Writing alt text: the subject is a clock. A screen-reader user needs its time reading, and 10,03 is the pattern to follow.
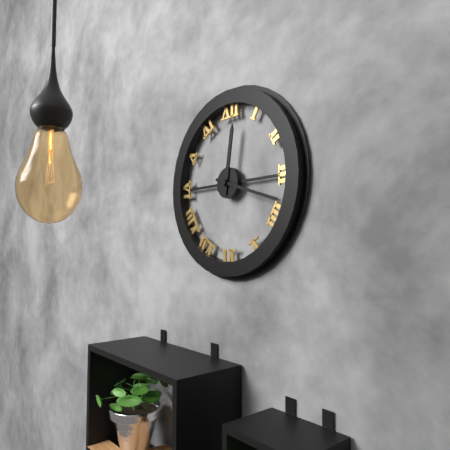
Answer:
12,18
